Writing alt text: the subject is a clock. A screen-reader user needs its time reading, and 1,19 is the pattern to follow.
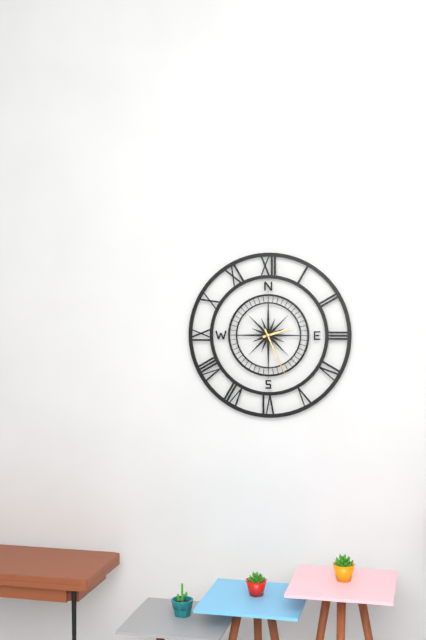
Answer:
2,26
